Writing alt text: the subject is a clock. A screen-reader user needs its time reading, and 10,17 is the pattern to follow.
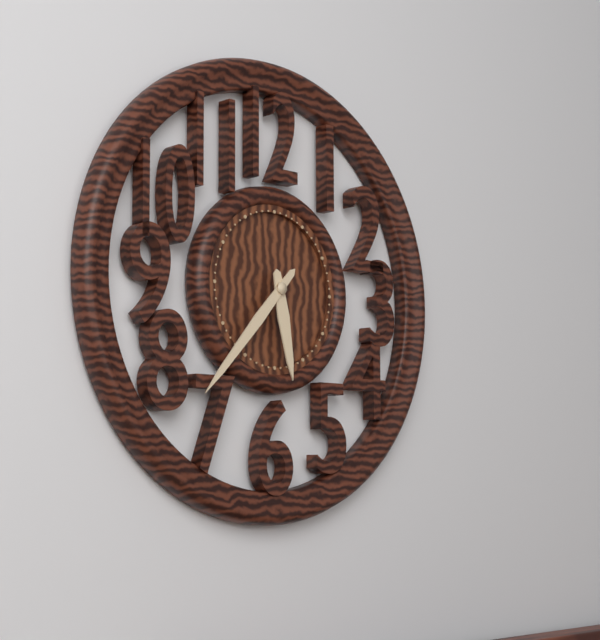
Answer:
5,37
